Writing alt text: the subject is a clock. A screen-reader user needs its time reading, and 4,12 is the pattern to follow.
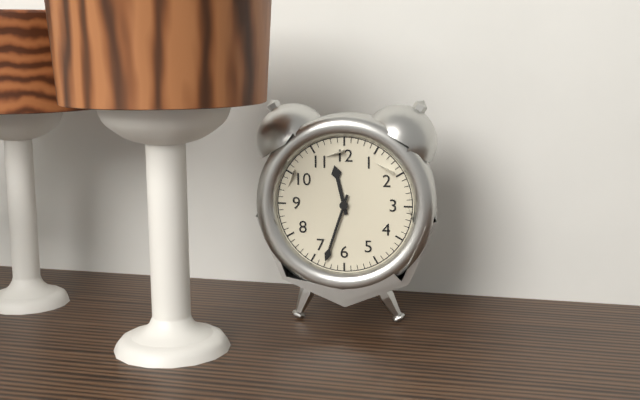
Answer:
11,33
